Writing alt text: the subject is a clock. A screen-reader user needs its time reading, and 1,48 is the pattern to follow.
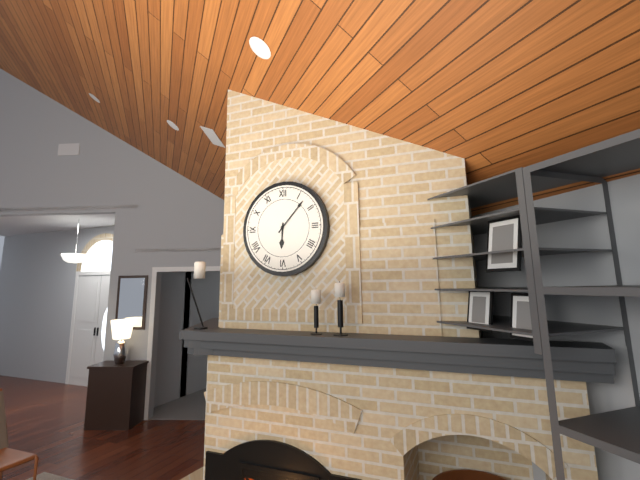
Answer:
6,07
